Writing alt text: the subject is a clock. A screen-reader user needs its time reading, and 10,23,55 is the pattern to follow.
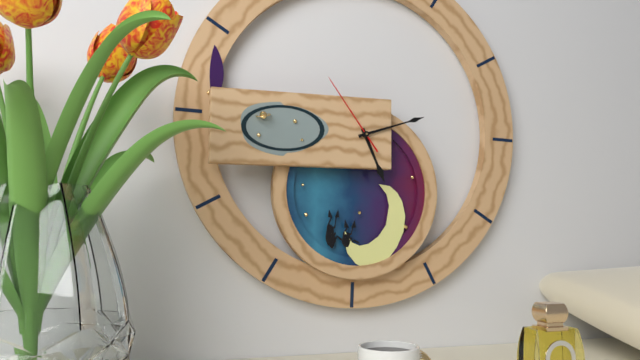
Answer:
5,12,54
